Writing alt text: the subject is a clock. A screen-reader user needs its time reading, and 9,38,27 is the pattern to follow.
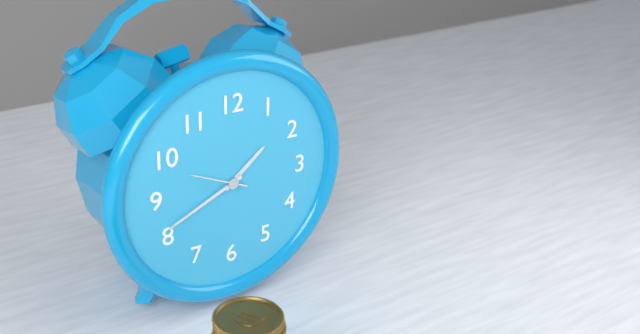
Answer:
1,41,49
